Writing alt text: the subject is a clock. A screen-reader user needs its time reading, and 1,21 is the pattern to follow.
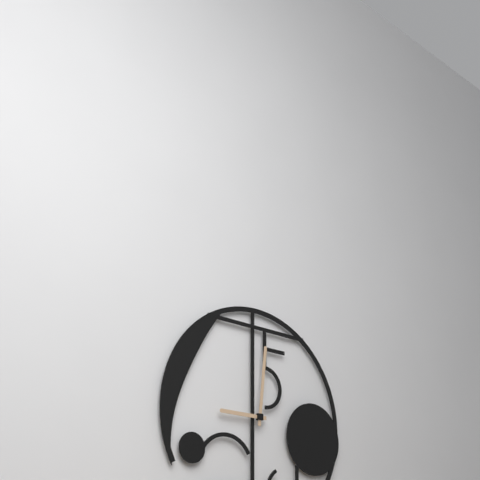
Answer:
9,01
